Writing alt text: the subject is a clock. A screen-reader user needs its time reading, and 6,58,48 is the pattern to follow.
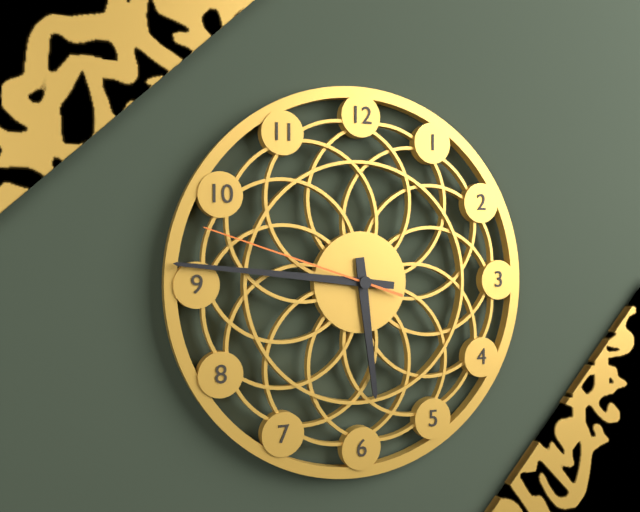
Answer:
5,46,48
